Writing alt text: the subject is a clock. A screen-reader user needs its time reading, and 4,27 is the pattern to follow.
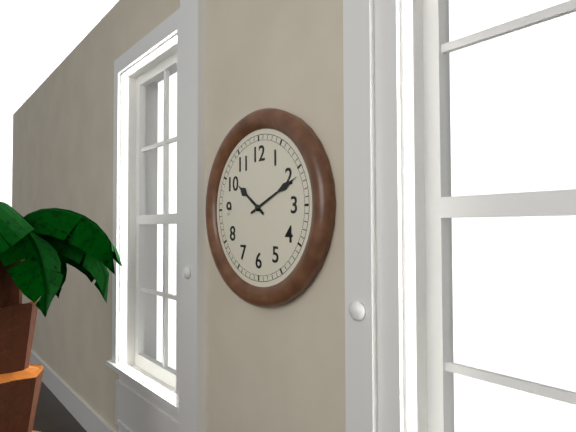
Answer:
10,11
